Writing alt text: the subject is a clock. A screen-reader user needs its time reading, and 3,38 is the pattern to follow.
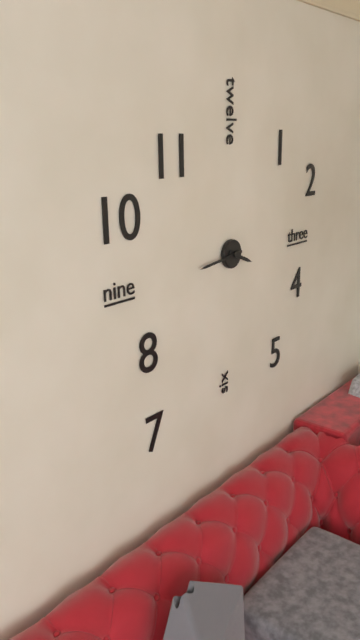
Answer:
3,44
